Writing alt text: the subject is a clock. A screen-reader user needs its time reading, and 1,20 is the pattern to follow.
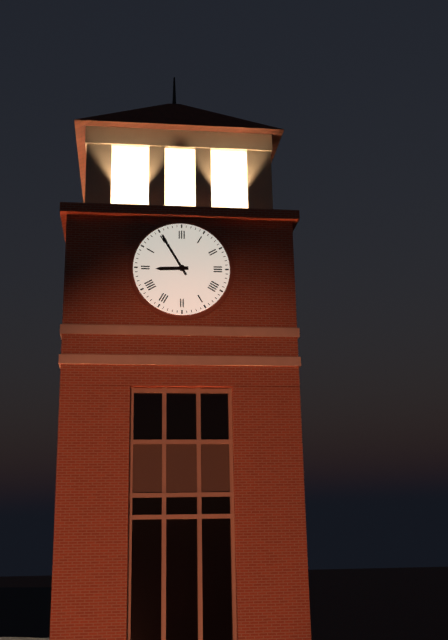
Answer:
8,55
